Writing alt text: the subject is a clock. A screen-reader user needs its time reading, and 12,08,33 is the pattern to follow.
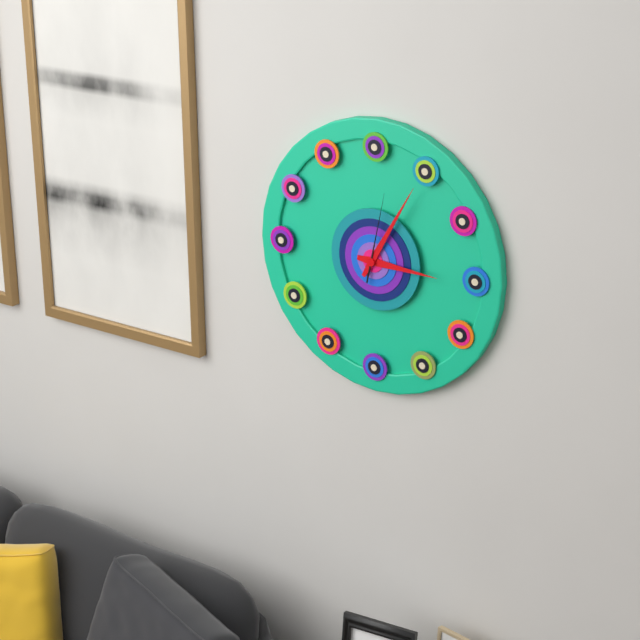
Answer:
3,05,02
